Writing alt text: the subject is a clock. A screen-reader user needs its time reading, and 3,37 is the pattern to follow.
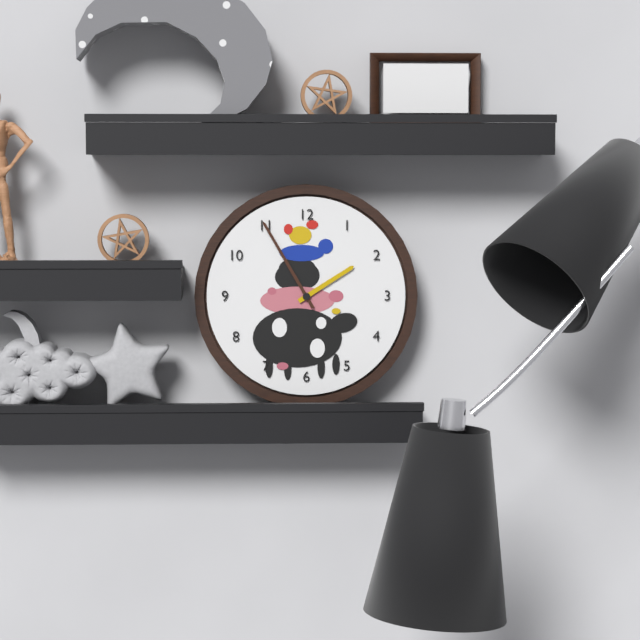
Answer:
1,55
